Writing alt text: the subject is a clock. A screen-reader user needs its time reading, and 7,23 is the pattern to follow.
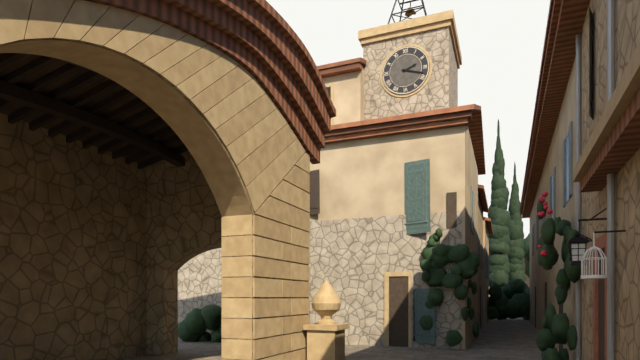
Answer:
2,18
